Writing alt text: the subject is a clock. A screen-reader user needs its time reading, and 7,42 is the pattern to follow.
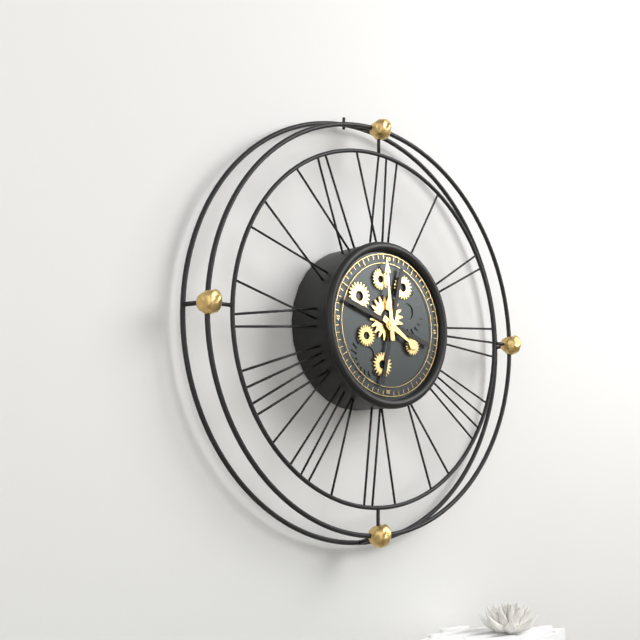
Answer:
3,59
